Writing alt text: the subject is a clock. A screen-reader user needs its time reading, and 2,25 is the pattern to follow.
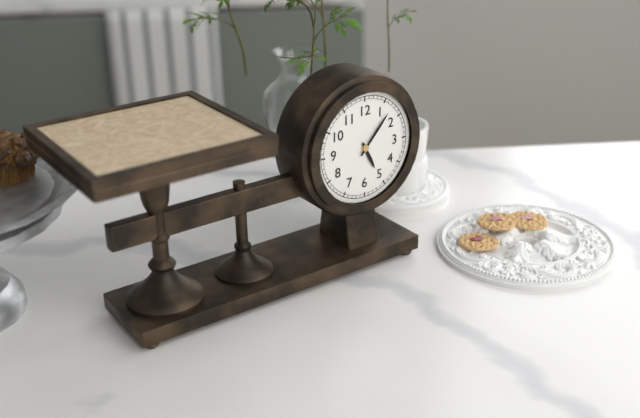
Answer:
5,07
